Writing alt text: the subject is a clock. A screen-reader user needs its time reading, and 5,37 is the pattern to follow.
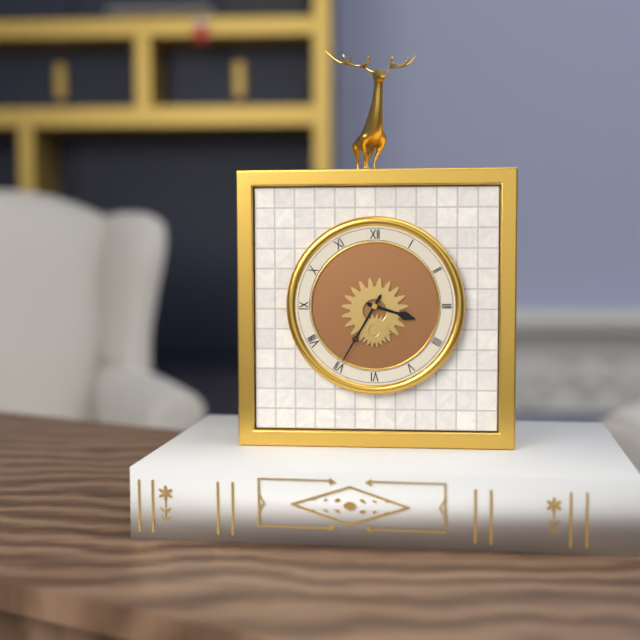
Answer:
3,35
